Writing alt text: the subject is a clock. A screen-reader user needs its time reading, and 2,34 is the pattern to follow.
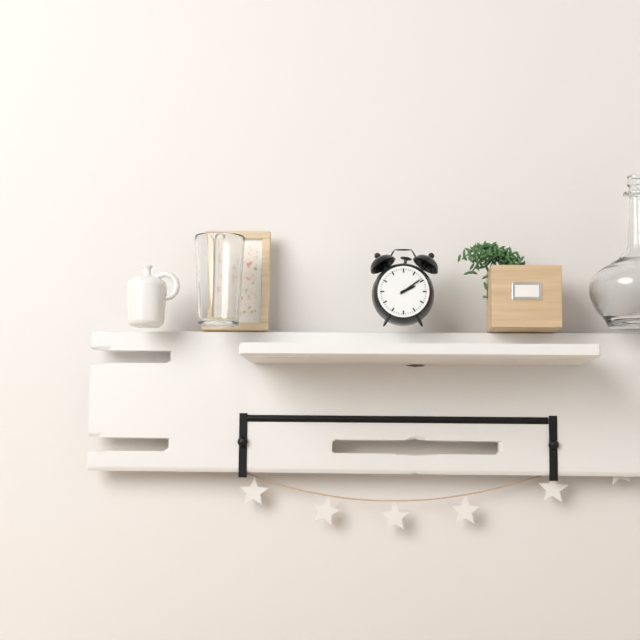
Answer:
2,09
